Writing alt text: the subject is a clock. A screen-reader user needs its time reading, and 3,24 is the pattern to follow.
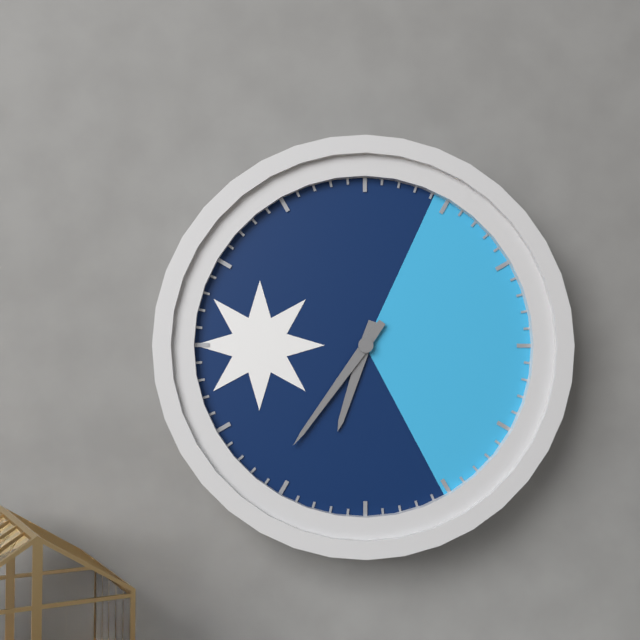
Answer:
6,36
